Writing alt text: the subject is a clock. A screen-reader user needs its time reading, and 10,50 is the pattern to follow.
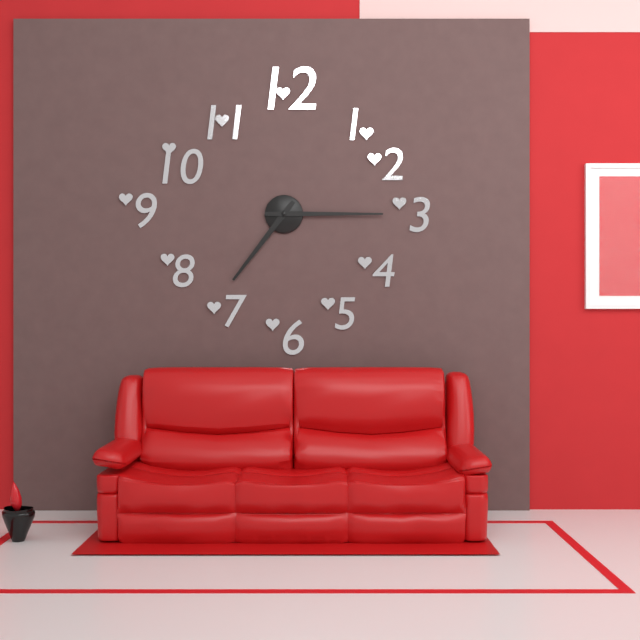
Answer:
7,15
